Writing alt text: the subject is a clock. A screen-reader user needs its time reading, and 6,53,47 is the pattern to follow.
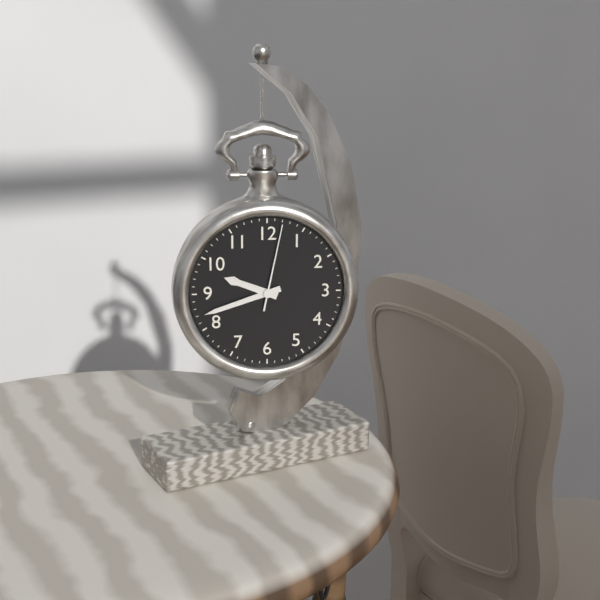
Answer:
9,42,02
